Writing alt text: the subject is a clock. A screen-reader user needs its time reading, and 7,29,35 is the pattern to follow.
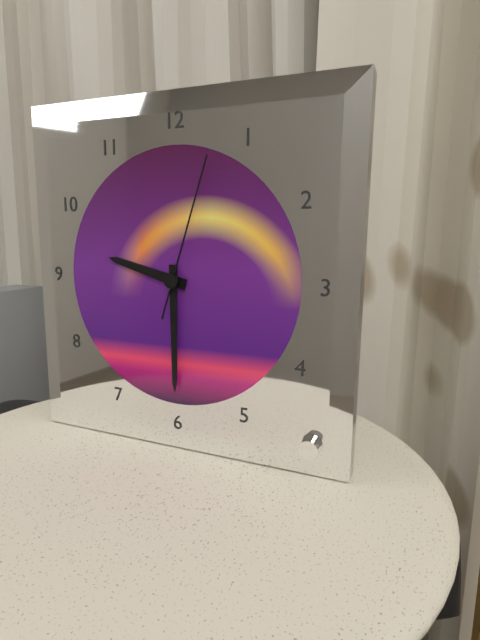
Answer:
9,30,03
